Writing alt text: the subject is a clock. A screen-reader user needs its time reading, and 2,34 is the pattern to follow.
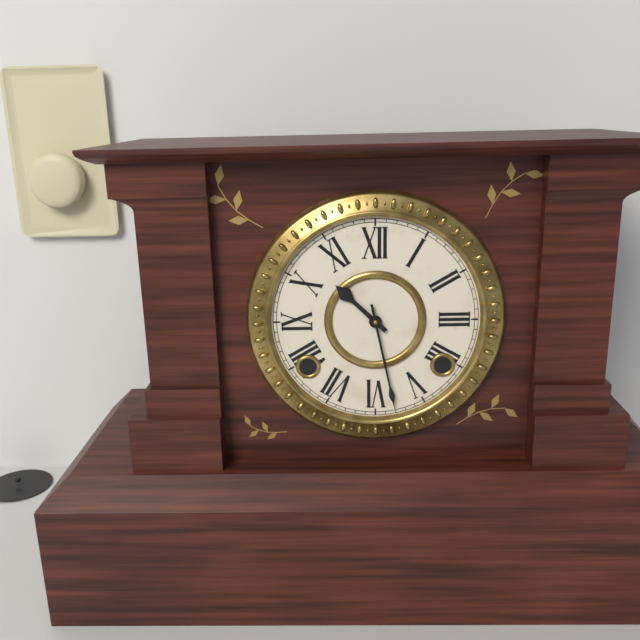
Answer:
10,28
